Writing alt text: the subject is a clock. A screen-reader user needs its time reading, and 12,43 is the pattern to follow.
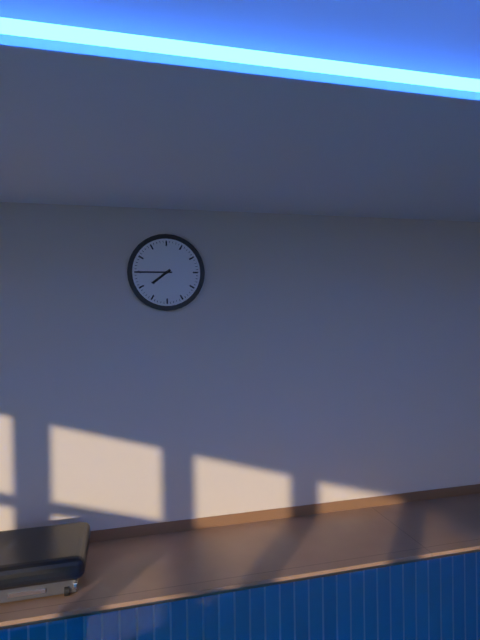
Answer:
7,45
